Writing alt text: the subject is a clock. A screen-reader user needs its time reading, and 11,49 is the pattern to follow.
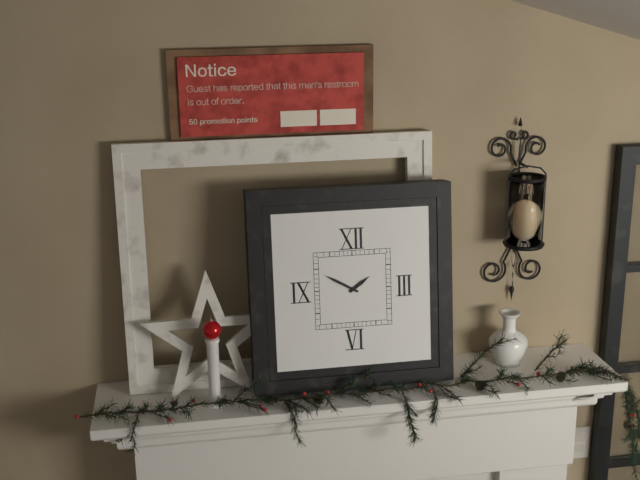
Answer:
1,50
